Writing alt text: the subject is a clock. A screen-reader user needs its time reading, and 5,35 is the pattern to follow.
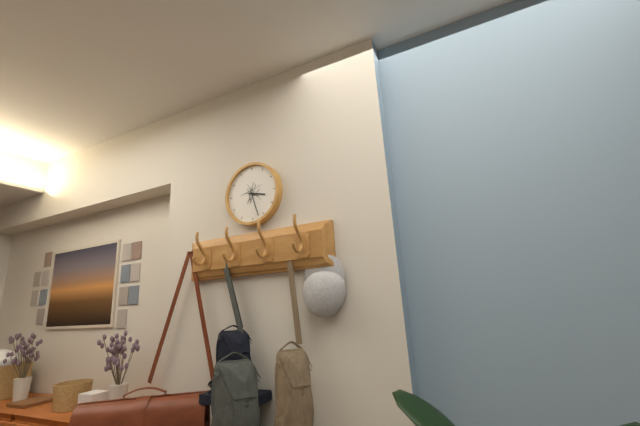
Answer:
3,27
